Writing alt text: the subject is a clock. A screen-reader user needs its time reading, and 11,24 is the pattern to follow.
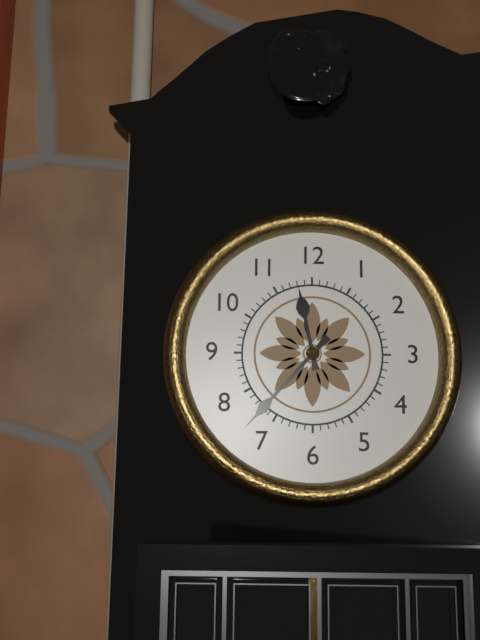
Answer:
11,37
